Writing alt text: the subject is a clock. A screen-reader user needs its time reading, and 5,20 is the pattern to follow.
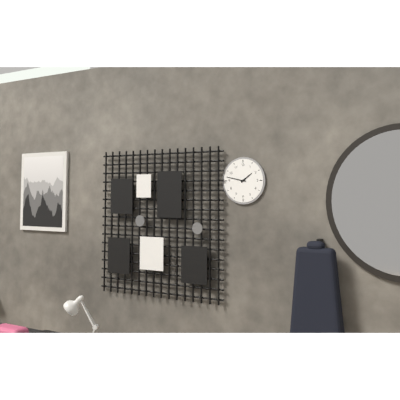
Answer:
1,47
